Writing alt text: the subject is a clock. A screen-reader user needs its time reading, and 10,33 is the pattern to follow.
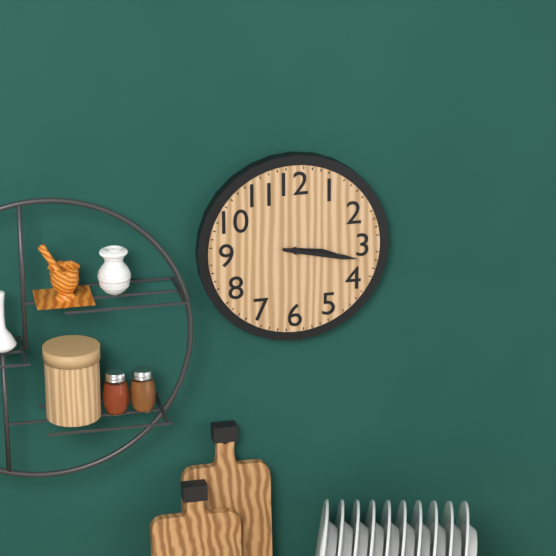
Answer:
3,17
